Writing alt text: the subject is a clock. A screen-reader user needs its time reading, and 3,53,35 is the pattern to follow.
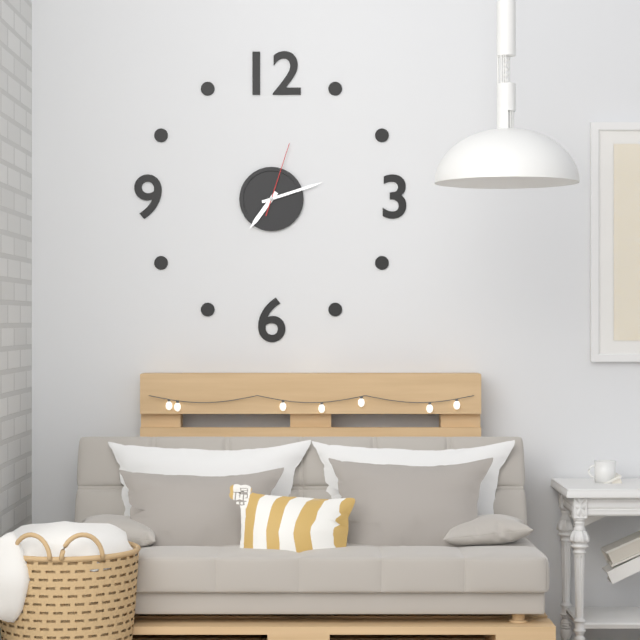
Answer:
7,12,03
